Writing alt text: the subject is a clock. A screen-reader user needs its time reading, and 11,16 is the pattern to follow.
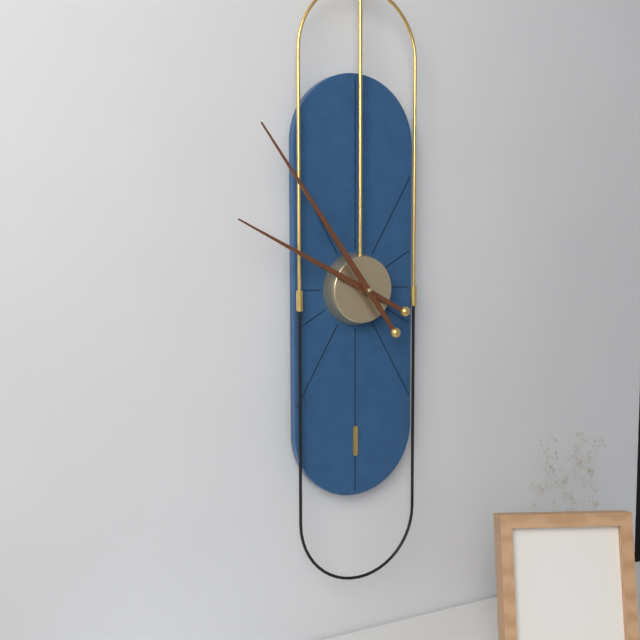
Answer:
9,54
